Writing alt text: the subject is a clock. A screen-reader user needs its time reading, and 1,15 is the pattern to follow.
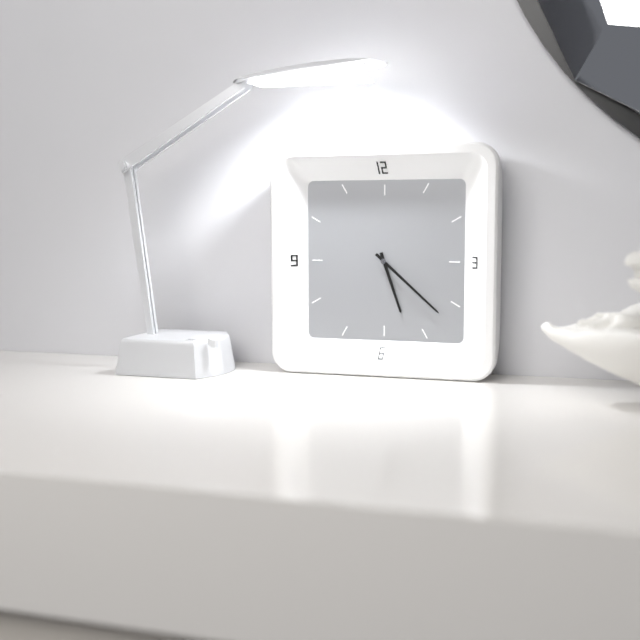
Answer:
5,22
